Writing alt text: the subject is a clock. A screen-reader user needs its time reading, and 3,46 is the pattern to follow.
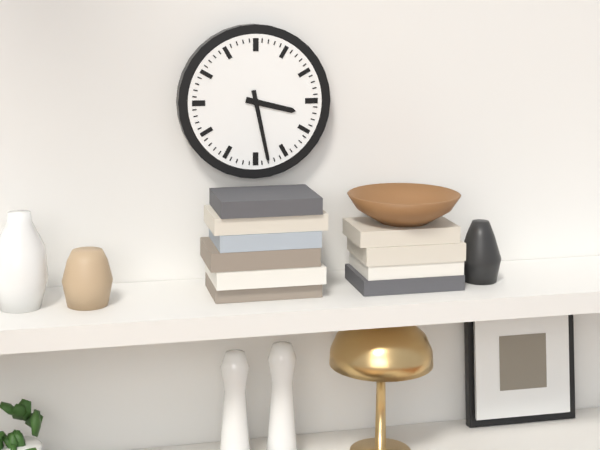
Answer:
3,28
